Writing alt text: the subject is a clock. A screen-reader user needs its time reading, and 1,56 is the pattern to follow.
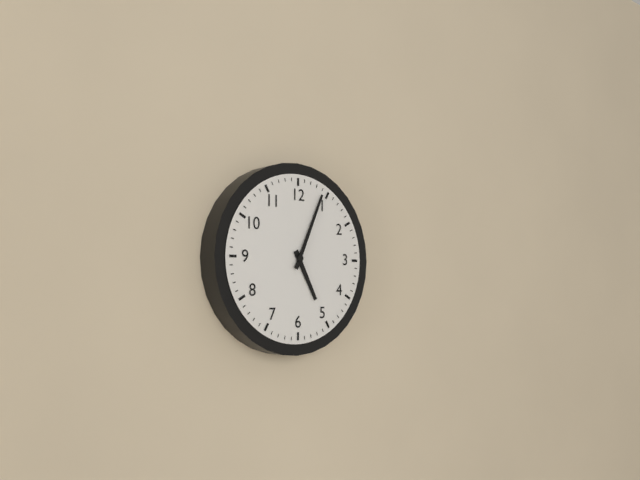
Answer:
5,04
